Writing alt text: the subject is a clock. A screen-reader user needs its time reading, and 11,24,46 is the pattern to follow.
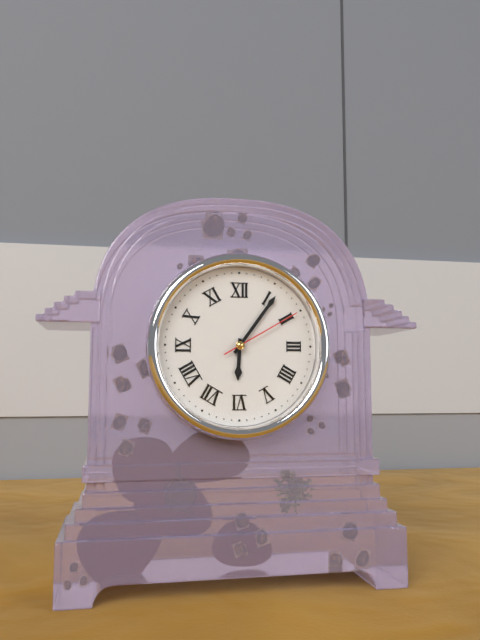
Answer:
6,06,10
